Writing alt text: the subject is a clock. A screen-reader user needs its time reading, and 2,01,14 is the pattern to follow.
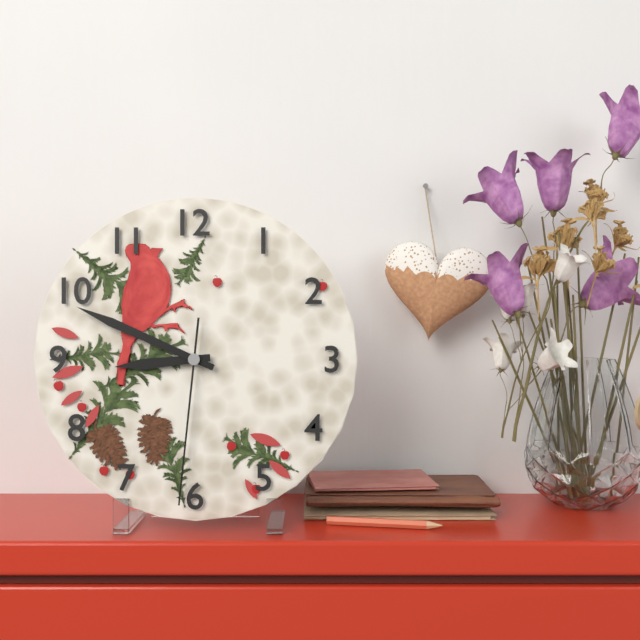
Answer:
8,49,31
